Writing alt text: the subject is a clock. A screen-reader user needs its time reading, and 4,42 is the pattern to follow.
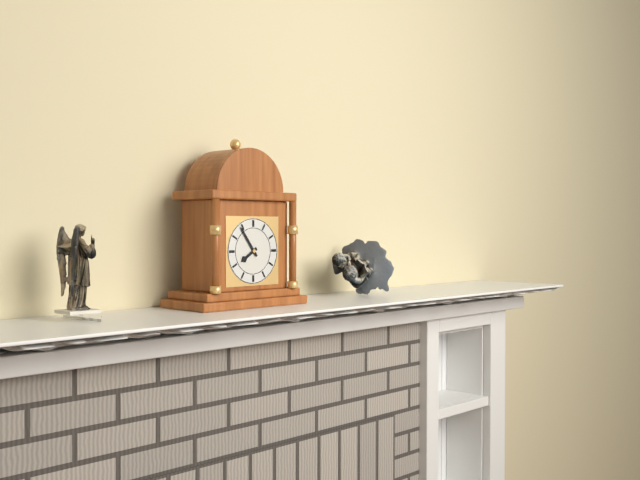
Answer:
7,54
